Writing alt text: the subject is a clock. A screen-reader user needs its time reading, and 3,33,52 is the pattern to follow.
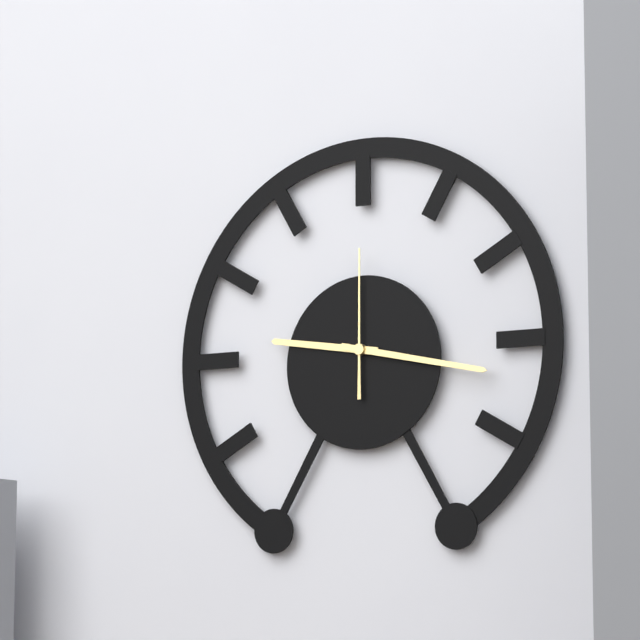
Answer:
9,17,00
